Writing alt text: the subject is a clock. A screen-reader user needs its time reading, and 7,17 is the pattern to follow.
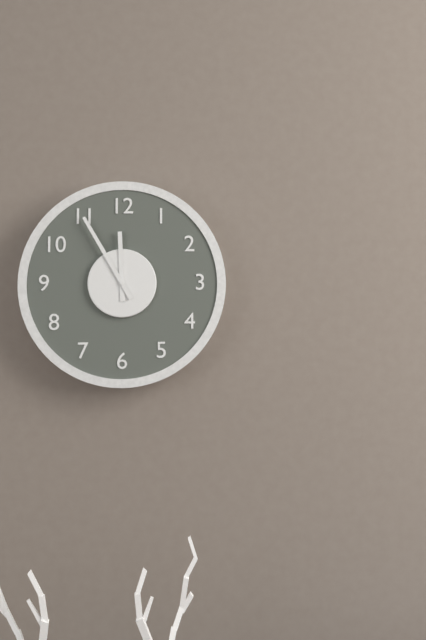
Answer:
11,55
